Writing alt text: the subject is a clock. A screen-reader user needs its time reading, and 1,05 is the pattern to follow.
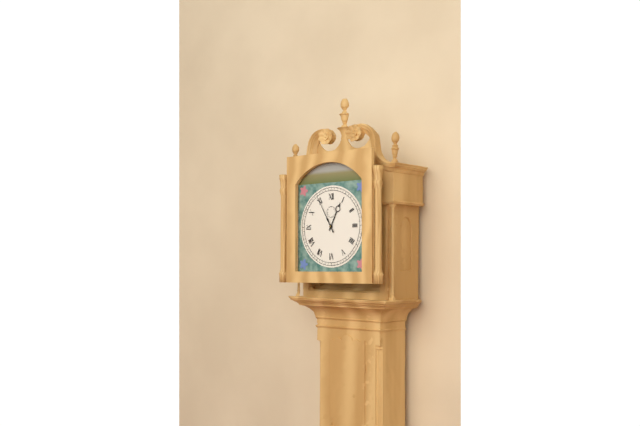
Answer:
12,55
